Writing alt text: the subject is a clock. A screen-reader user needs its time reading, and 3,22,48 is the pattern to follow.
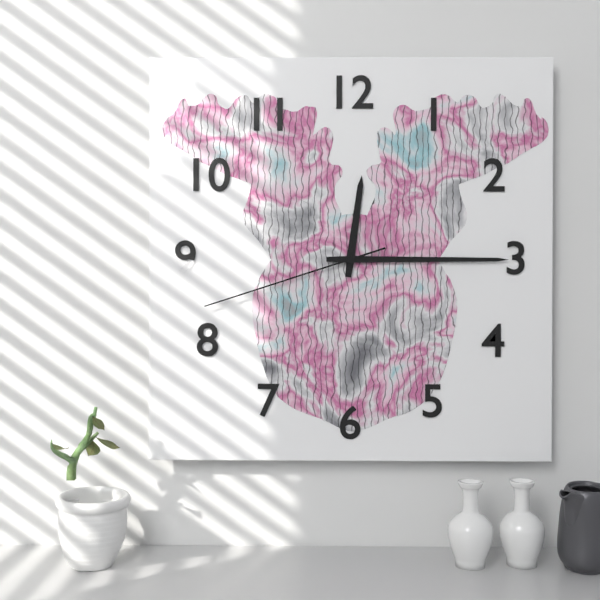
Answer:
12,15,42
